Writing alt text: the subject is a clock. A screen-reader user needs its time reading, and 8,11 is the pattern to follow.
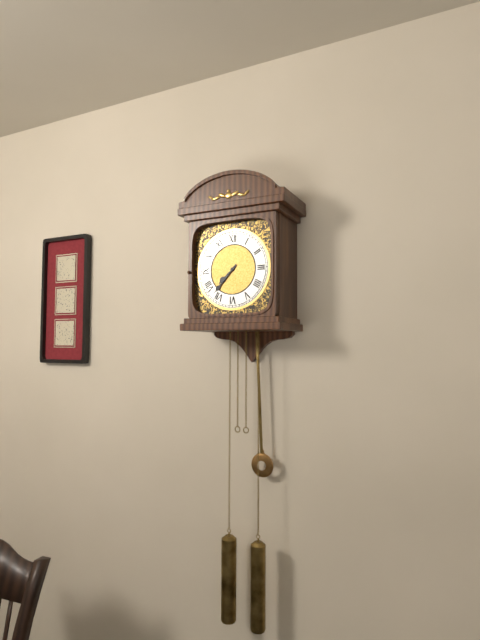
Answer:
7,37
